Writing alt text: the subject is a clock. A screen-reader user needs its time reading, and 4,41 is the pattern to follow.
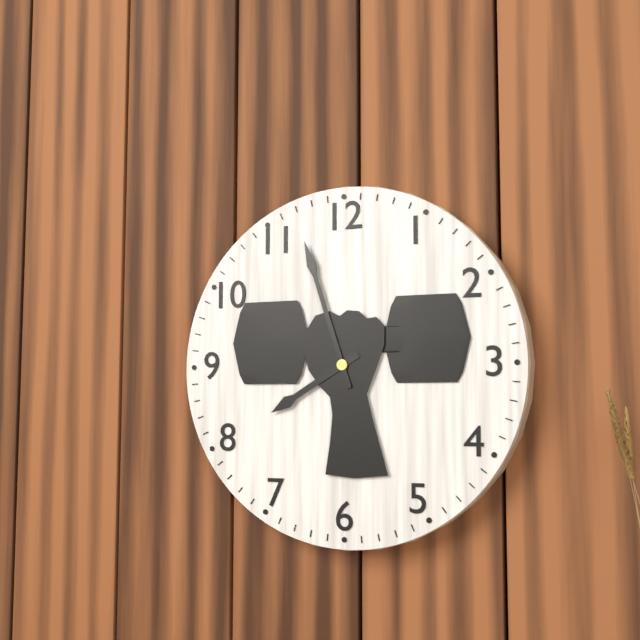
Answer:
7,57
